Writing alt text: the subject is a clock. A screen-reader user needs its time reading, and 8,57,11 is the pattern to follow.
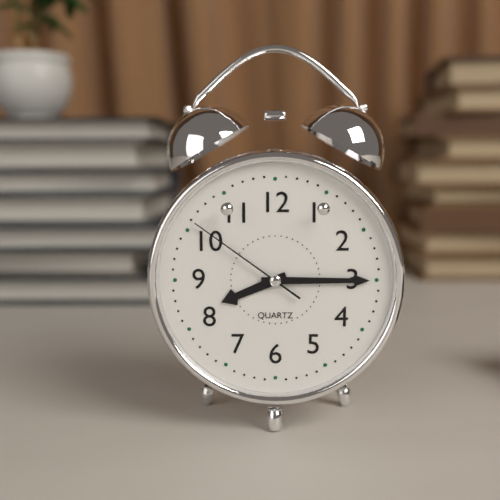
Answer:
8,15,51
